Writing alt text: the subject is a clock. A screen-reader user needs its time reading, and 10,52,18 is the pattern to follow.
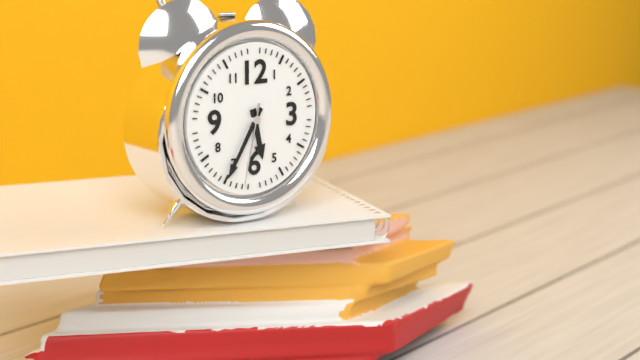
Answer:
5,35,32
